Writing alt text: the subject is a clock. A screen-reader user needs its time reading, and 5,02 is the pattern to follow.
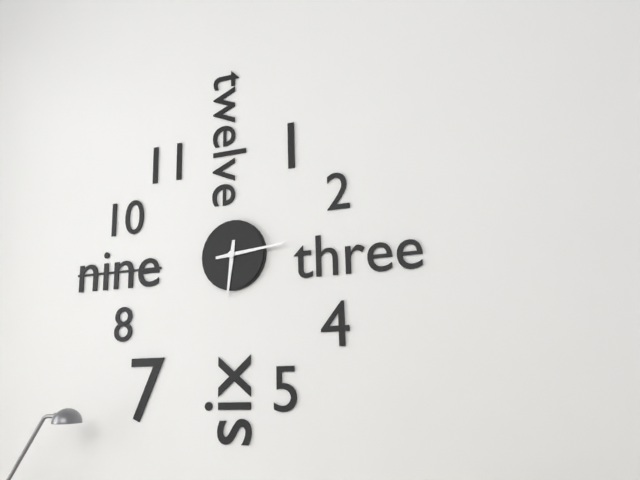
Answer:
6,14
